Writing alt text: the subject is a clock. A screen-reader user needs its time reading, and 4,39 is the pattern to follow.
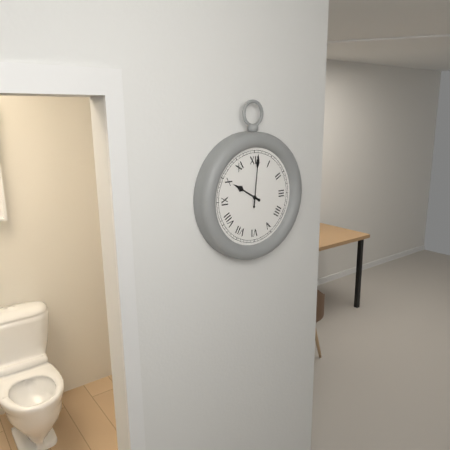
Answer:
10,01
